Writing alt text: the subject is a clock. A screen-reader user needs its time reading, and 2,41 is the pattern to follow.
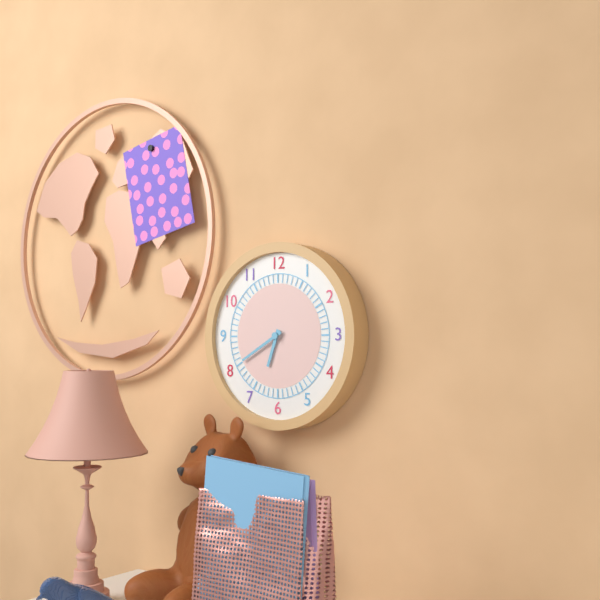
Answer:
6,40
